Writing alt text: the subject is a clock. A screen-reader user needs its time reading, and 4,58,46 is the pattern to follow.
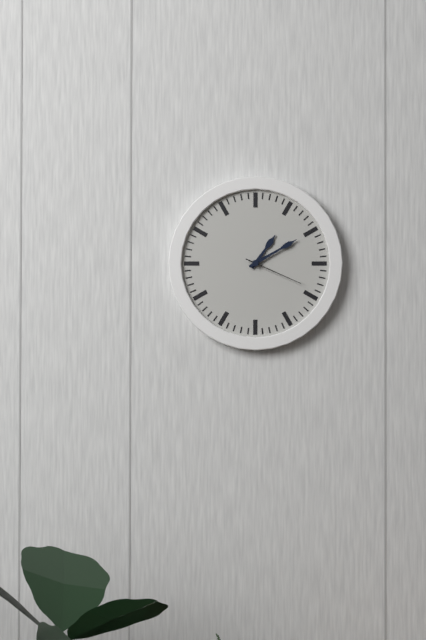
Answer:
1,10,19
